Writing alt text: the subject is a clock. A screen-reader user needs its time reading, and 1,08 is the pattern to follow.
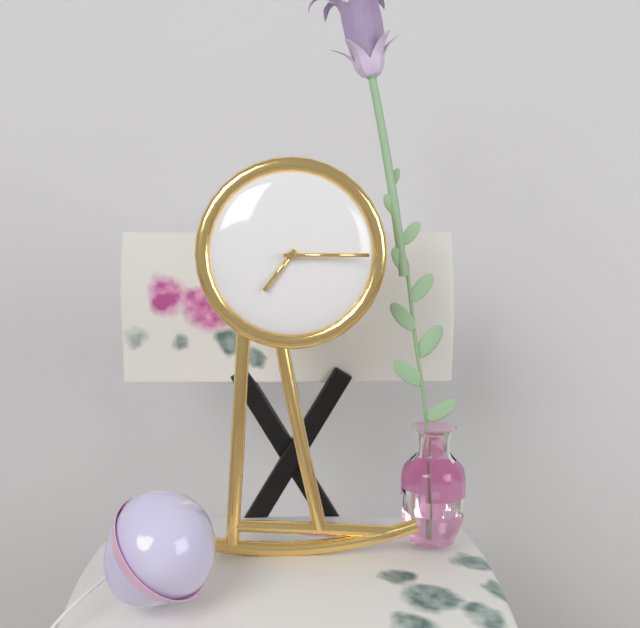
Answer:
7,15
